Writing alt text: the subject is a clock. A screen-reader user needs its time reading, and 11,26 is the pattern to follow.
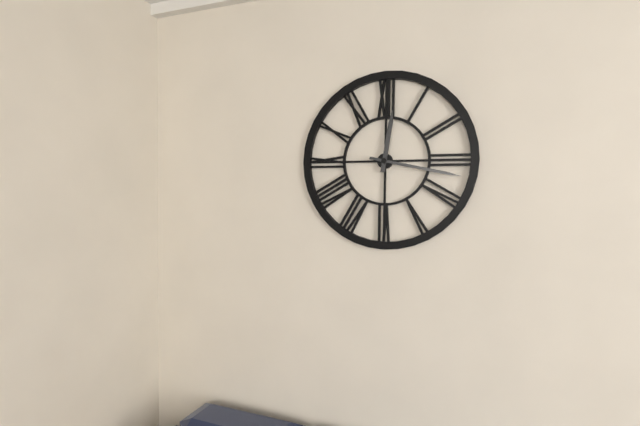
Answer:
12,17
